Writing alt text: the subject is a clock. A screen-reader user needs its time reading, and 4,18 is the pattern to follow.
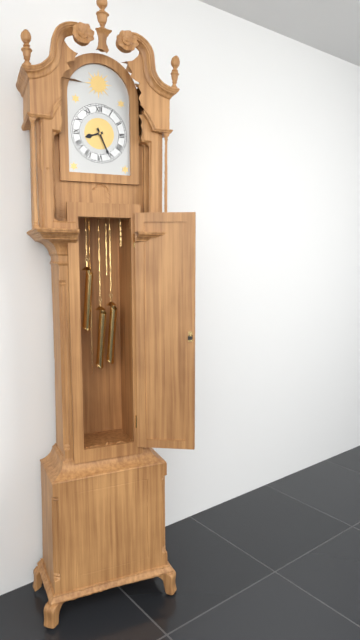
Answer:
8,26
